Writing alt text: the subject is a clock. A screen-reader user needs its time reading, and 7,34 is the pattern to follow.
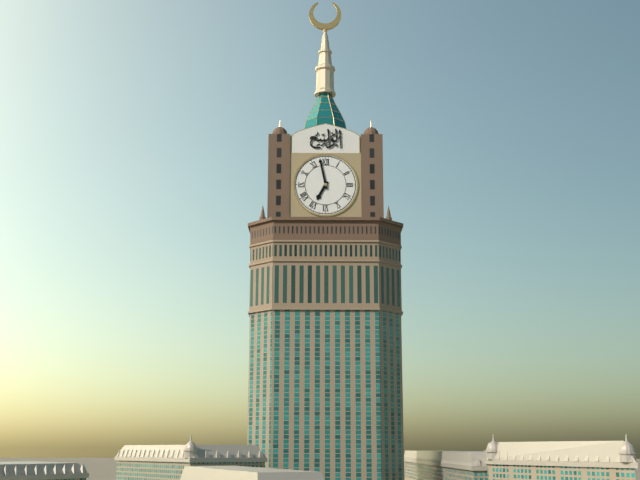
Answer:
6,58
